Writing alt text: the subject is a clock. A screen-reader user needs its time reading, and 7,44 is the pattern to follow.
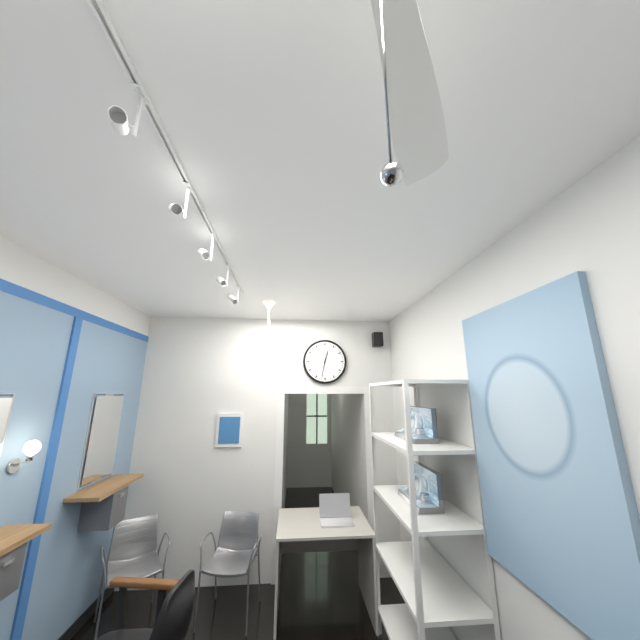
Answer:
12,32
